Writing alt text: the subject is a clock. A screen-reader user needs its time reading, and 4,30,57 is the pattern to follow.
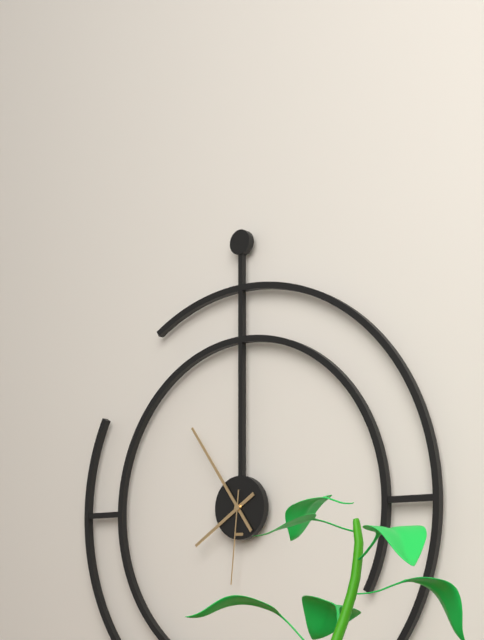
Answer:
7,54,31
